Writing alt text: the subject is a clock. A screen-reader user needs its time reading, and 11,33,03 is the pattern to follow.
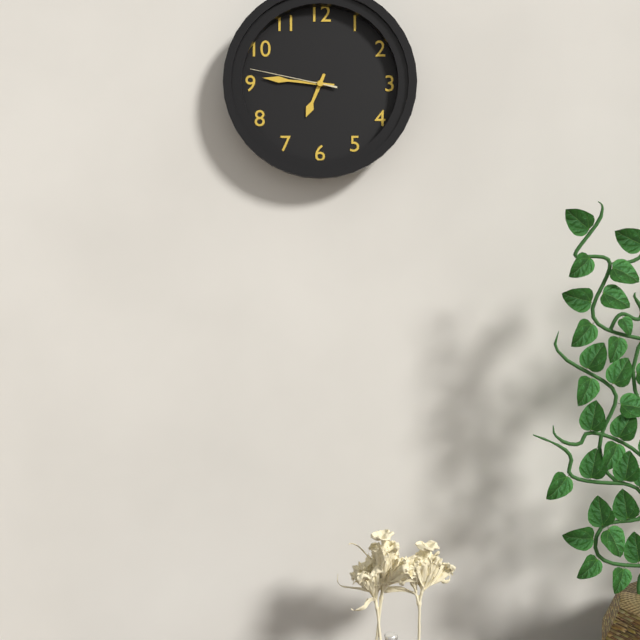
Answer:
6,46,47
